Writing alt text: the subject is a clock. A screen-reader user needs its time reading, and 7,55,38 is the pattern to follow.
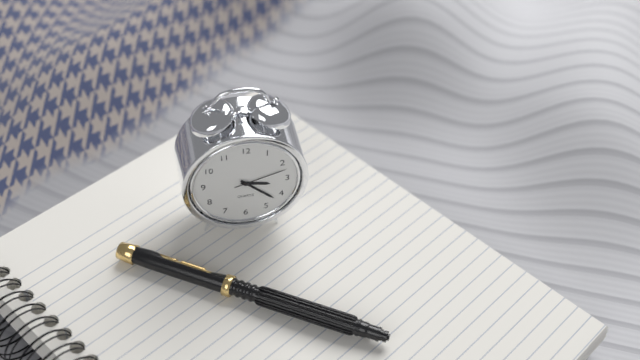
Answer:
3,22,12
